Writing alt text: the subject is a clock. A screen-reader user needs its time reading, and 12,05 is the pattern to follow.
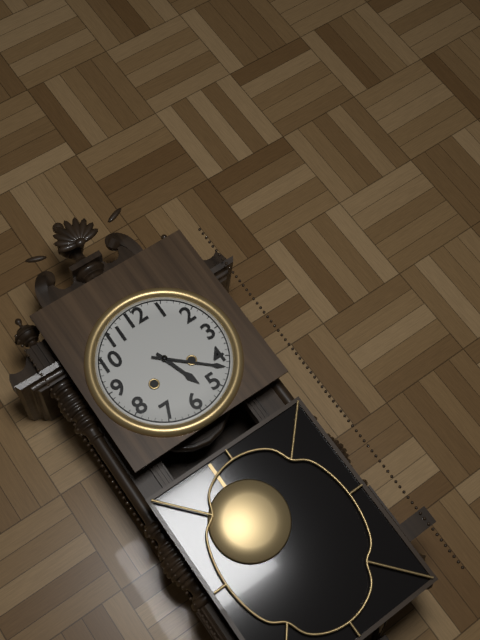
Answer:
5,22
